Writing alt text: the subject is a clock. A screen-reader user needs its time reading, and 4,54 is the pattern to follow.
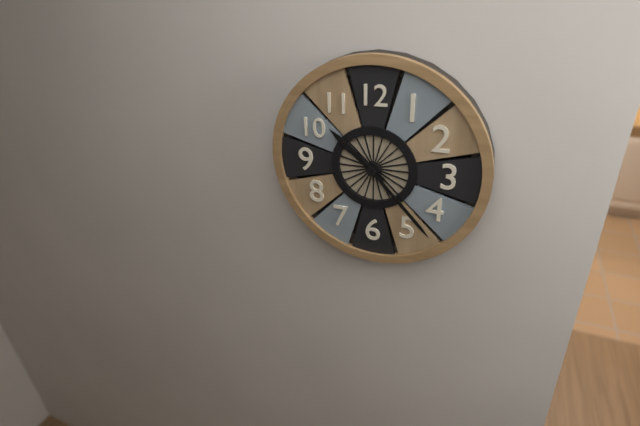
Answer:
10,23
